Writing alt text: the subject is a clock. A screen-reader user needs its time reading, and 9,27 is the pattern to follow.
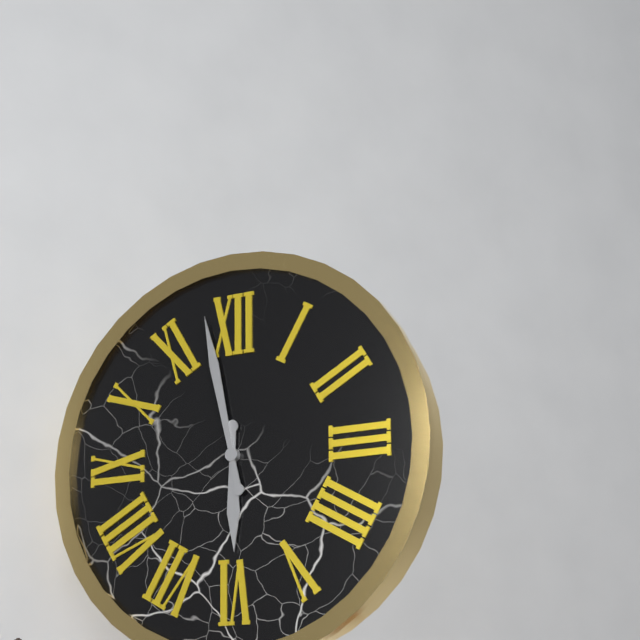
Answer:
5,58
